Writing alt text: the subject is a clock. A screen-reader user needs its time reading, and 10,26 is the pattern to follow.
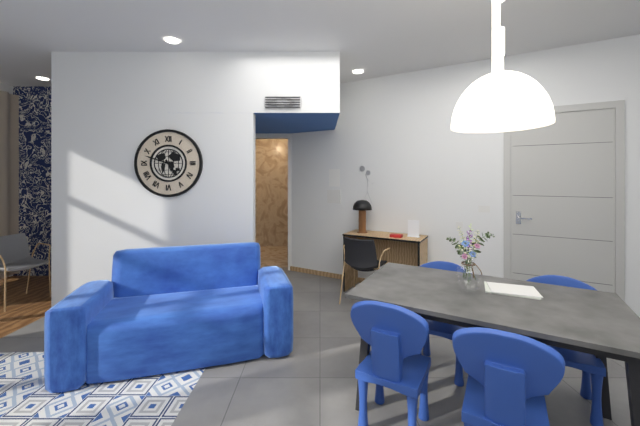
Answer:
4,48
